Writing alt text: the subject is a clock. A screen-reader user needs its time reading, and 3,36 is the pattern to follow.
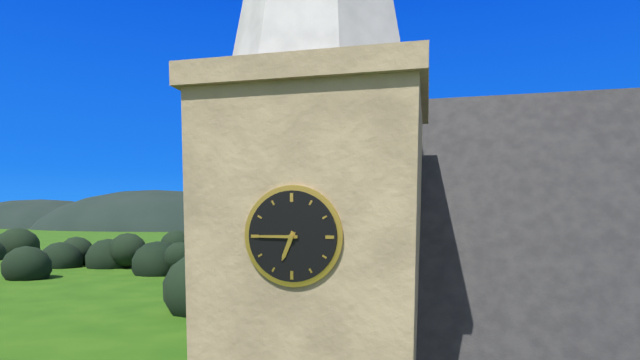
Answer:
6,45
